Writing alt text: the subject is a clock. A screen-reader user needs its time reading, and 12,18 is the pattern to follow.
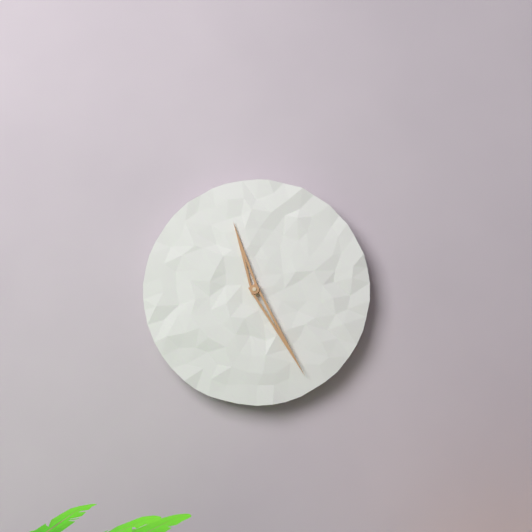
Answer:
11,25
